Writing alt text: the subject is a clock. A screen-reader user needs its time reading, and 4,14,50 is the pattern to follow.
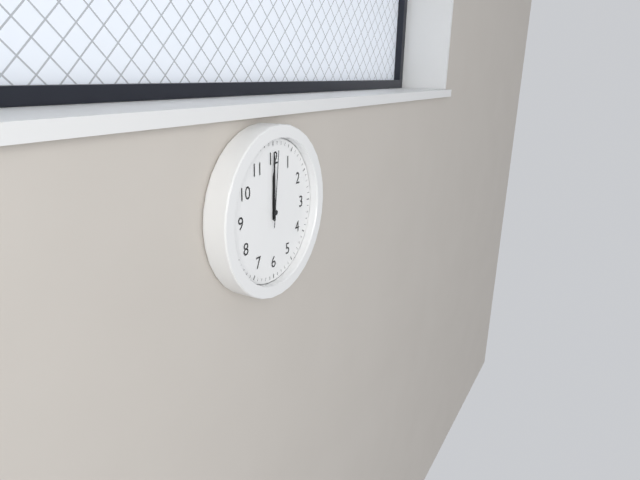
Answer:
12,00,01
